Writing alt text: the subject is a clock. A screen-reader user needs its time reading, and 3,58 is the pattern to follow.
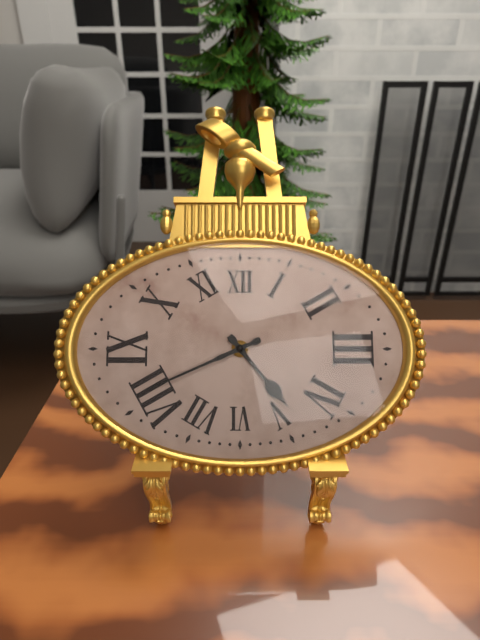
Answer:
4,41
